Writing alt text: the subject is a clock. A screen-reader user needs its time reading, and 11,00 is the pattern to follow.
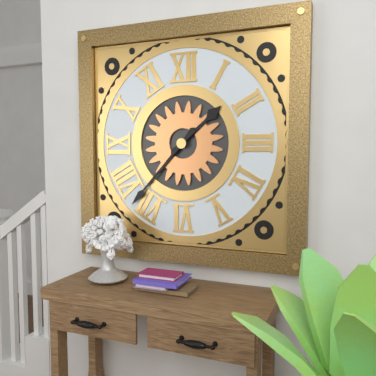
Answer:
1,37
